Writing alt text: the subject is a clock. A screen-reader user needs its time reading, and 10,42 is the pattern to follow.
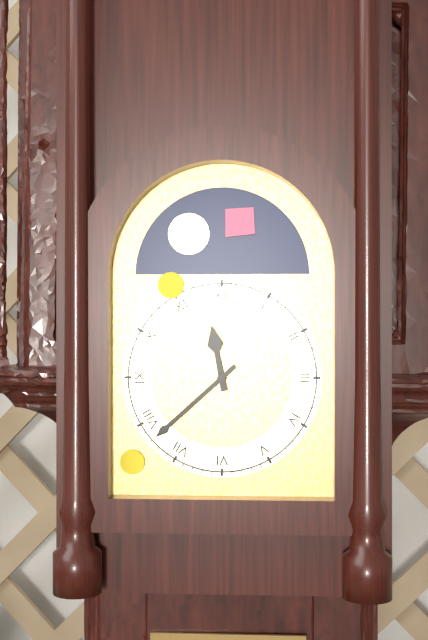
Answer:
11,38
